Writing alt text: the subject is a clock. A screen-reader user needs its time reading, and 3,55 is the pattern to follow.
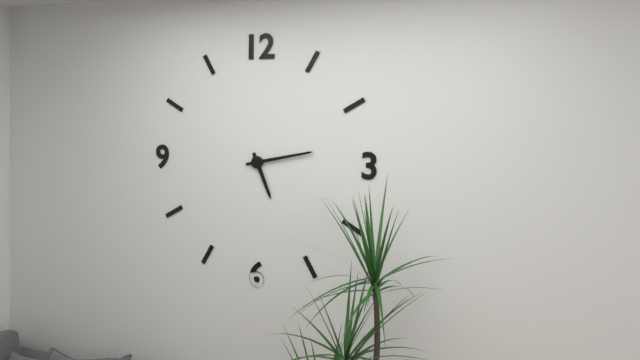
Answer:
5,13
